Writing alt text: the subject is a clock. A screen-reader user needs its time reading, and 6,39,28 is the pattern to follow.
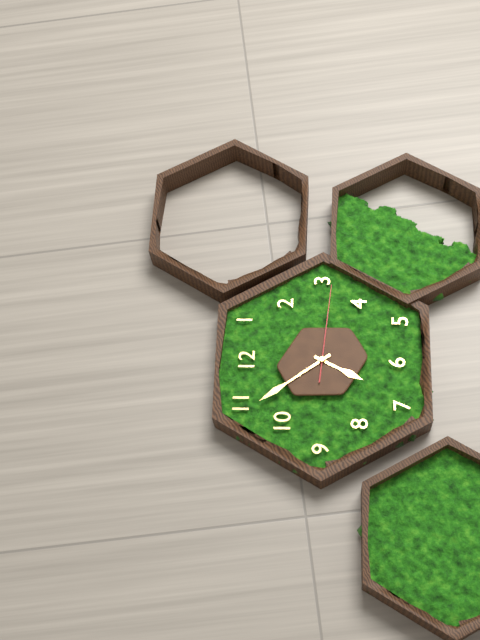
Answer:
6,54,16
